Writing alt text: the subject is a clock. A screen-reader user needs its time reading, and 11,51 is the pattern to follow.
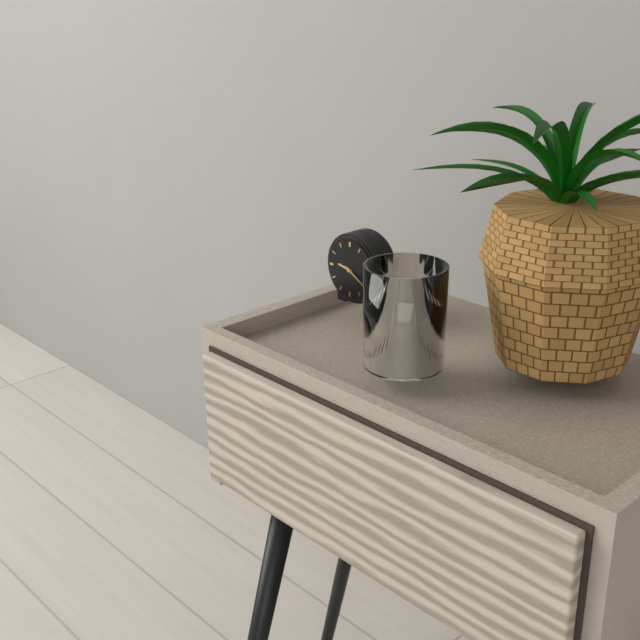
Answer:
9,20
